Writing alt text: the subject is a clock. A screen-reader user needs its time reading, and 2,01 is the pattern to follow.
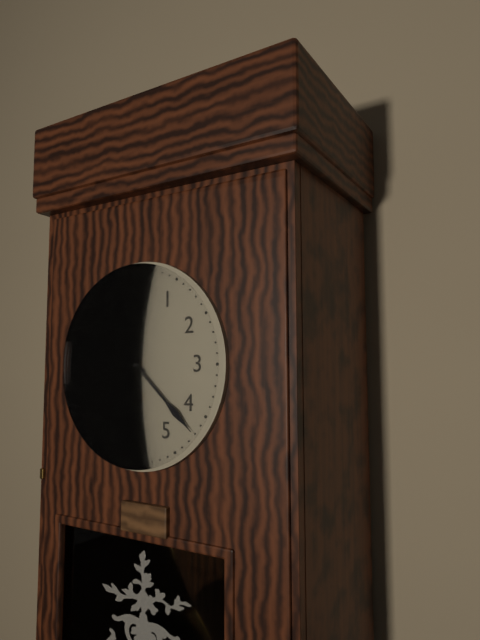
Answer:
10,22
